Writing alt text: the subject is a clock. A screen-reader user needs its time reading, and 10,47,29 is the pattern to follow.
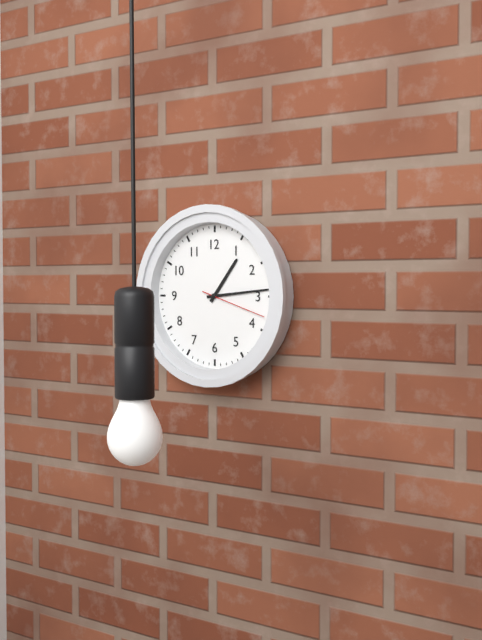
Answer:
1,14,18
